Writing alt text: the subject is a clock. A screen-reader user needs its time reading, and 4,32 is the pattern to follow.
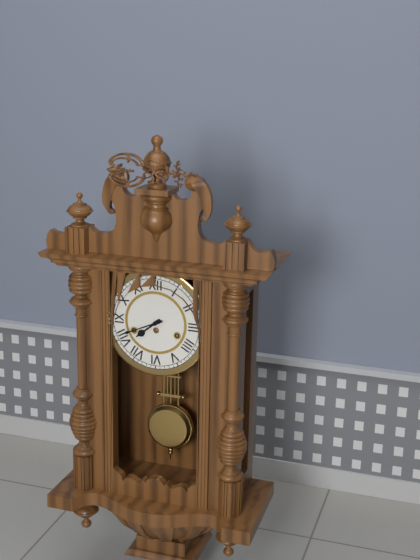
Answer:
7,41
